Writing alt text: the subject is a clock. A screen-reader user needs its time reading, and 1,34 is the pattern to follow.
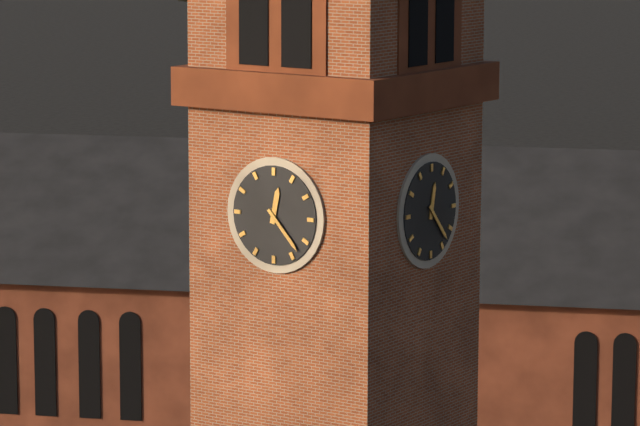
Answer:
12,23
